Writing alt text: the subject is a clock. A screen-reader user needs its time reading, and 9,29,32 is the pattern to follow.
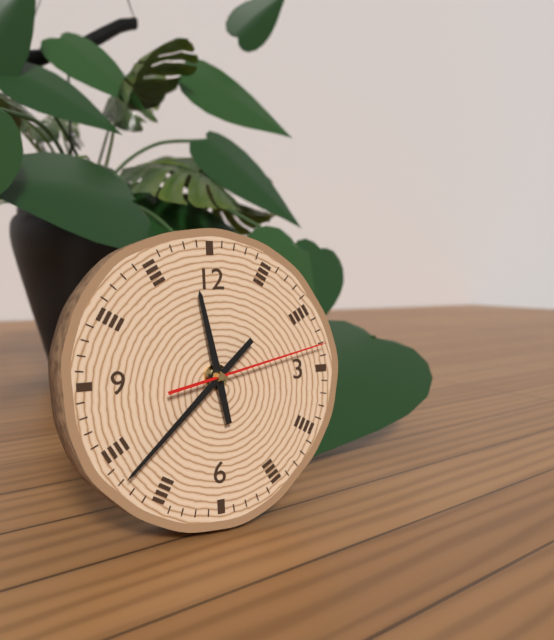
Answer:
11,38,13
